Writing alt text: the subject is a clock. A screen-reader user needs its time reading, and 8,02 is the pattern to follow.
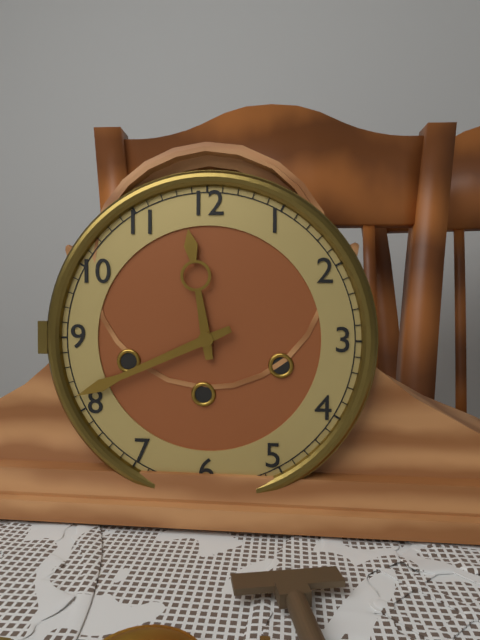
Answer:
11,41
